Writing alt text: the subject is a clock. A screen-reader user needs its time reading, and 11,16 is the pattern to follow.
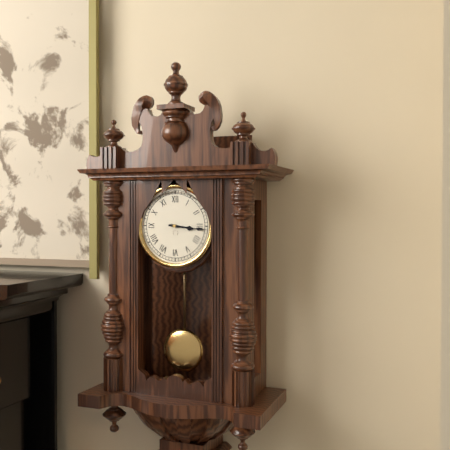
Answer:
3,16
